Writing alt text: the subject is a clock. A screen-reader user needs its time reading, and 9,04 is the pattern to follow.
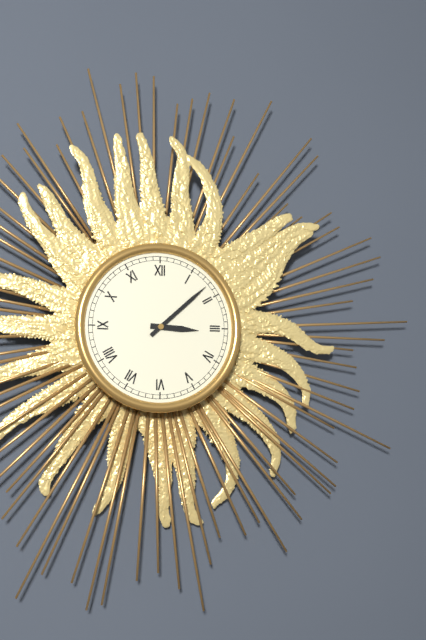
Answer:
3,08
